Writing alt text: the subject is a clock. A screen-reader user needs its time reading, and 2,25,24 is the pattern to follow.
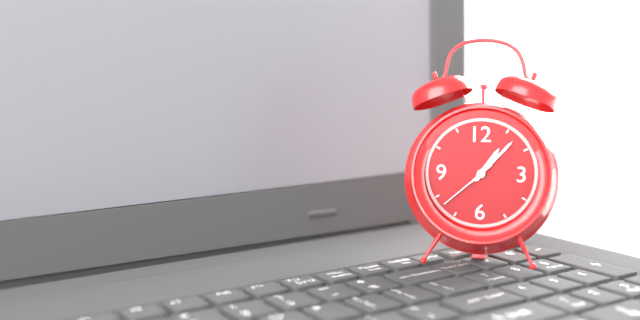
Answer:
1,07,38
